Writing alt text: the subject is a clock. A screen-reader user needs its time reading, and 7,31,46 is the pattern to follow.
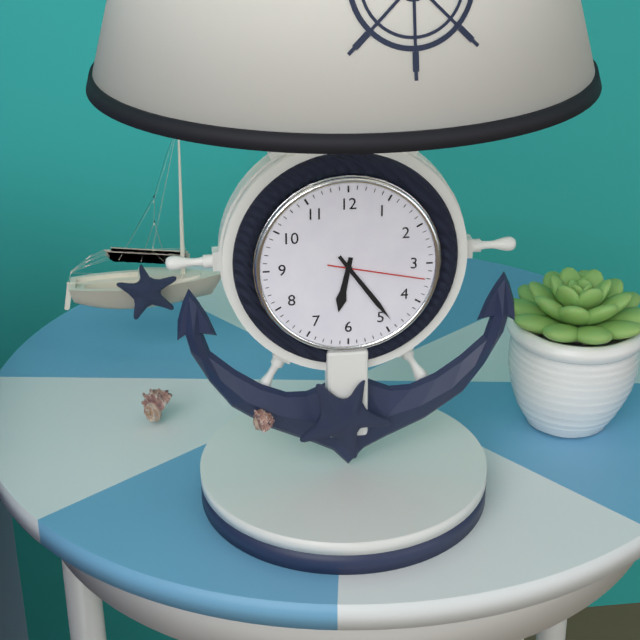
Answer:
6,24,17
